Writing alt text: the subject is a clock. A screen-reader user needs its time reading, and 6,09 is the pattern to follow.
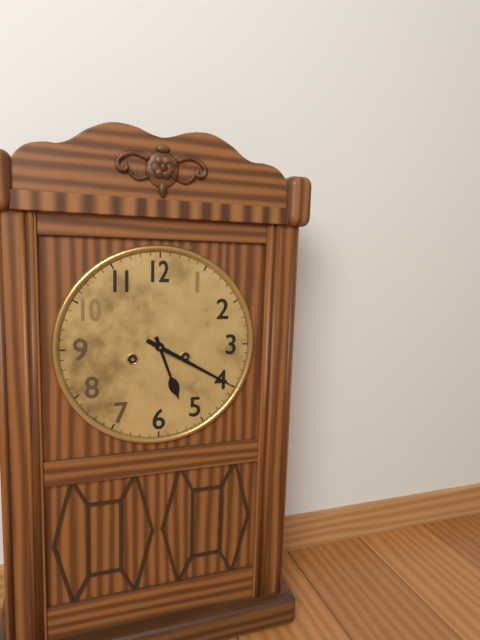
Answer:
5,20
